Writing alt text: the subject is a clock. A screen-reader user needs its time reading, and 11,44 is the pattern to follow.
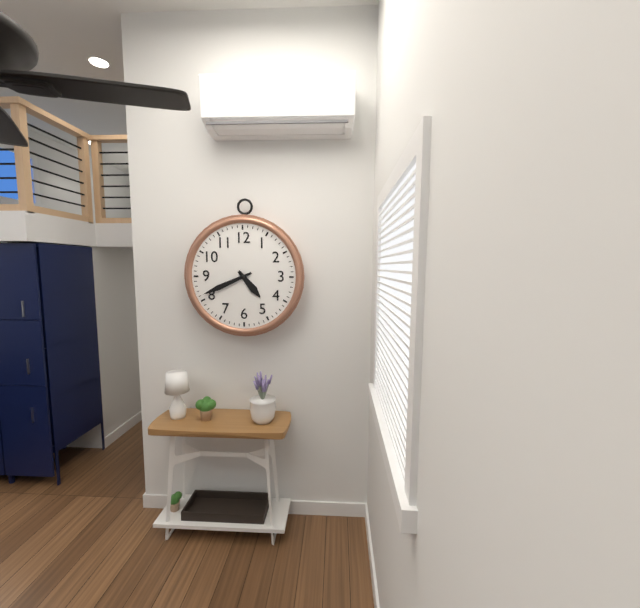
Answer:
4,41
